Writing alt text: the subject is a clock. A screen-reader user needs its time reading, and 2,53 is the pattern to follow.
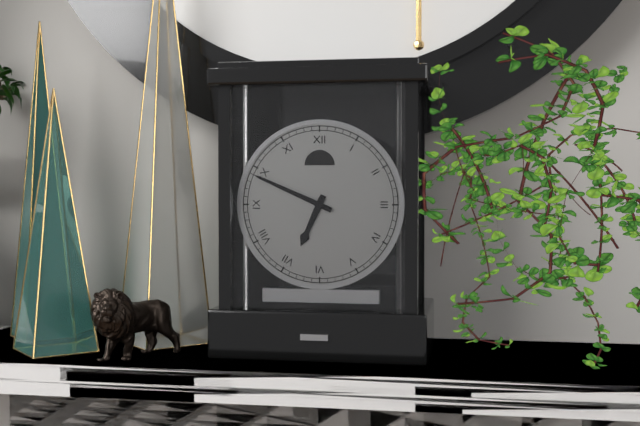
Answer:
6,49
